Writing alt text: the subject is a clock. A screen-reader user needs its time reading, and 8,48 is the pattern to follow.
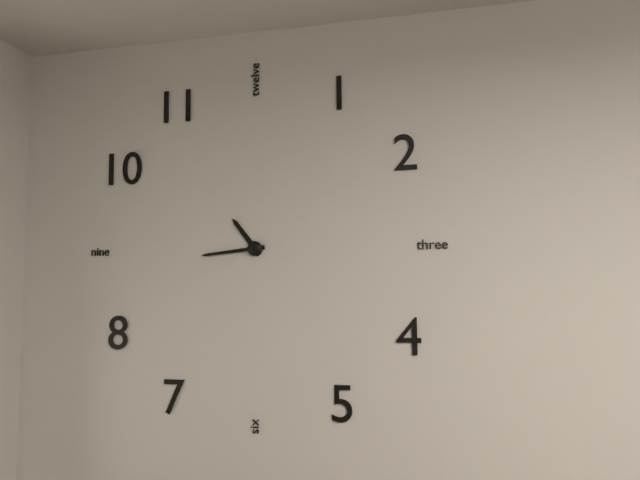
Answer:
10,44
